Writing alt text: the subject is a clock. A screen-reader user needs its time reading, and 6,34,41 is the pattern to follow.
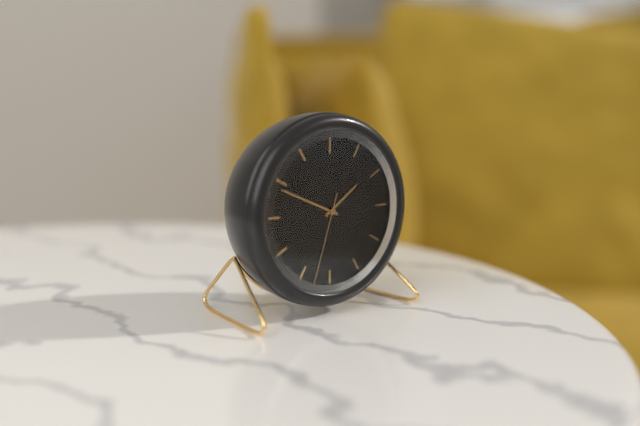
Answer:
1,49,33
